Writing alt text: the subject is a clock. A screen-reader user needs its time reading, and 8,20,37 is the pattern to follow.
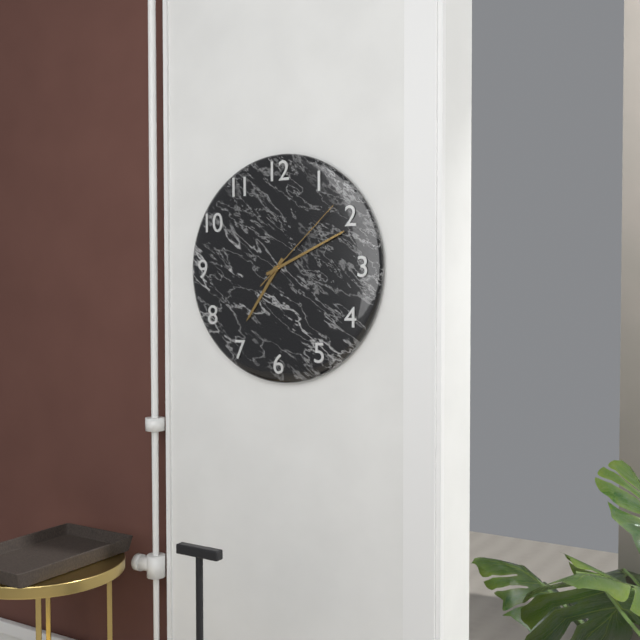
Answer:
7,11,08
